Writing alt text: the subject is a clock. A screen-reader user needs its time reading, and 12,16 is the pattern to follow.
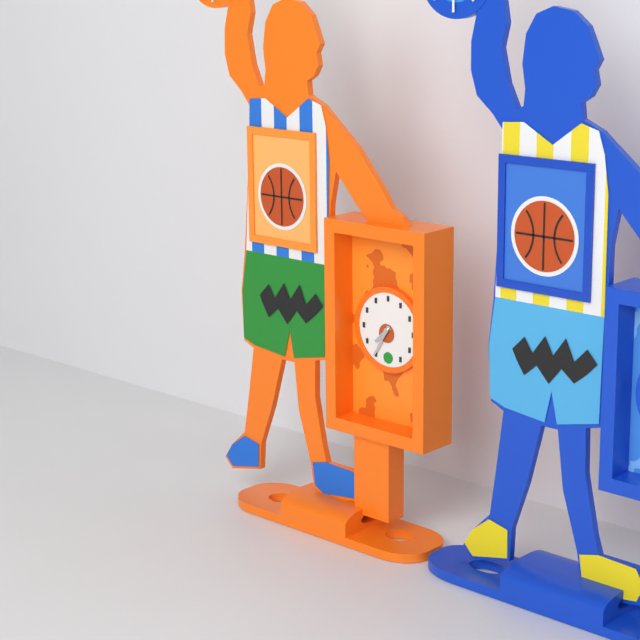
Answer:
7,35
